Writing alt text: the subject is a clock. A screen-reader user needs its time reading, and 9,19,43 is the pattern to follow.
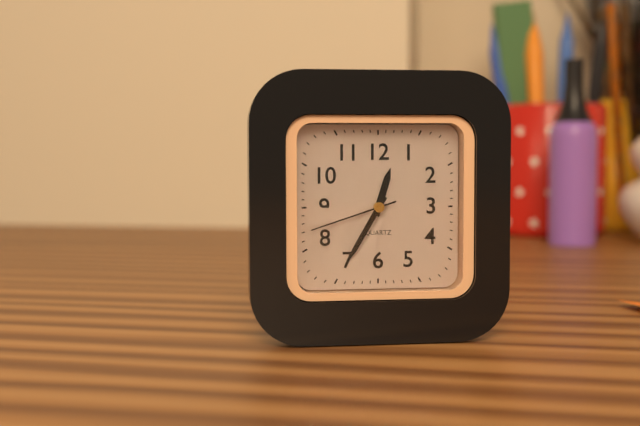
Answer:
12,35,42
